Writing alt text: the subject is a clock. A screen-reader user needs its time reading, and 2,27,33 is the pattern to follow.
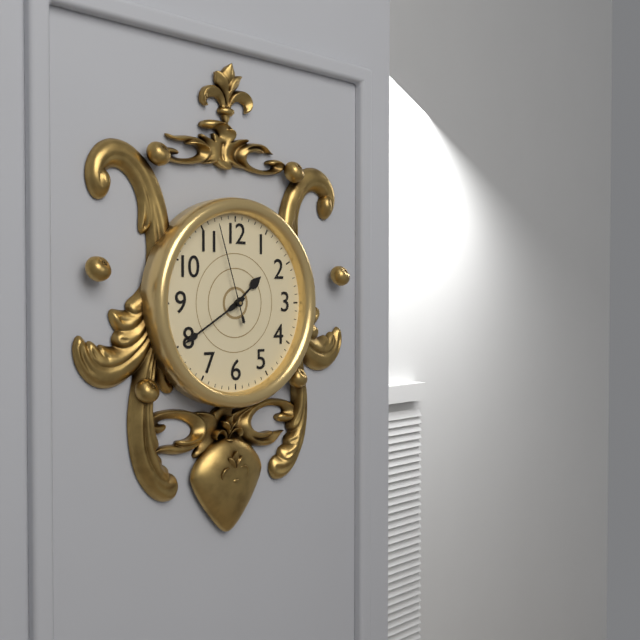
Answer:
1,40,57
